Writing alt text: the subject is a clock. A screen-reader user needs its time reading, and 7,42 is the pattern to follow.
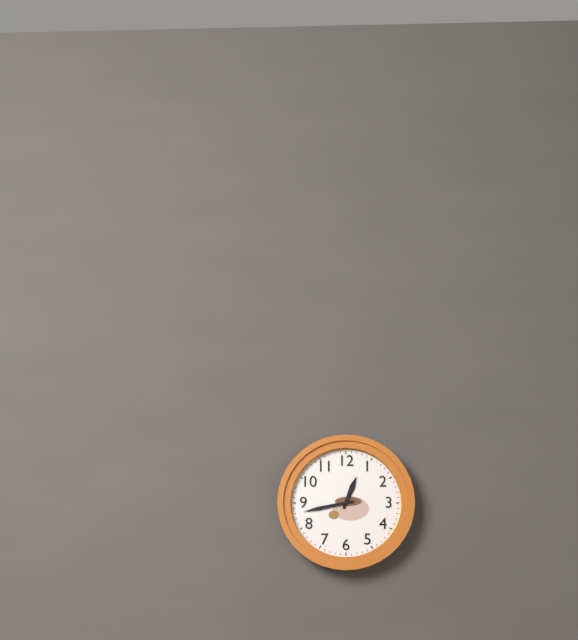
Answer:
12,43
